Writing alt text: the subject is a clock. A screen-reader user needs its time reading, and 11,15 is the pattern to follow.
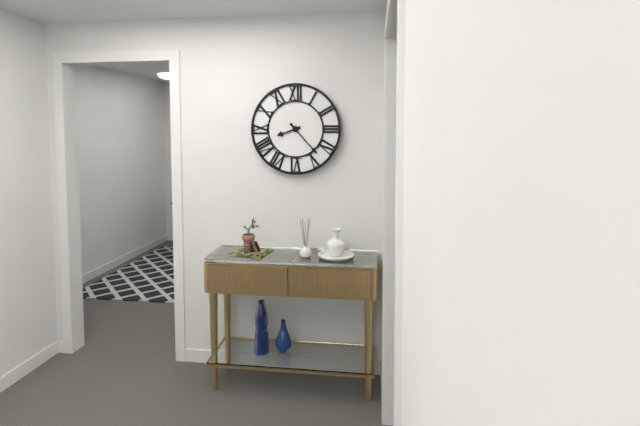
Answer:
8,23
